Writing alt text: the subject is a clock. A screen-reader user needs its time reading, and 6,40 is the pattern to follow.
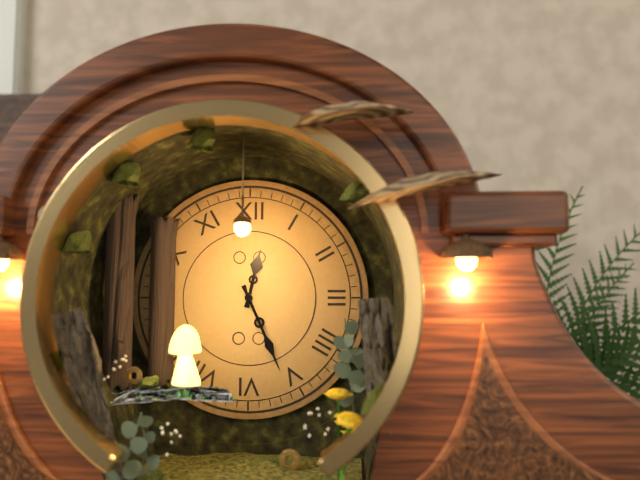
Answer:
12,26
